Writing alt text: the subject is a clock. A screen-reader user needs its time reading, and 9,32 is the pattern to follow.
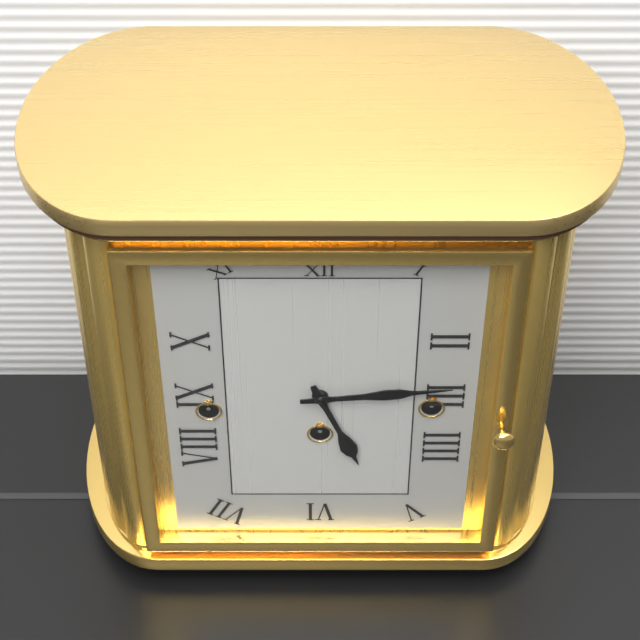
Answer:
5,14
